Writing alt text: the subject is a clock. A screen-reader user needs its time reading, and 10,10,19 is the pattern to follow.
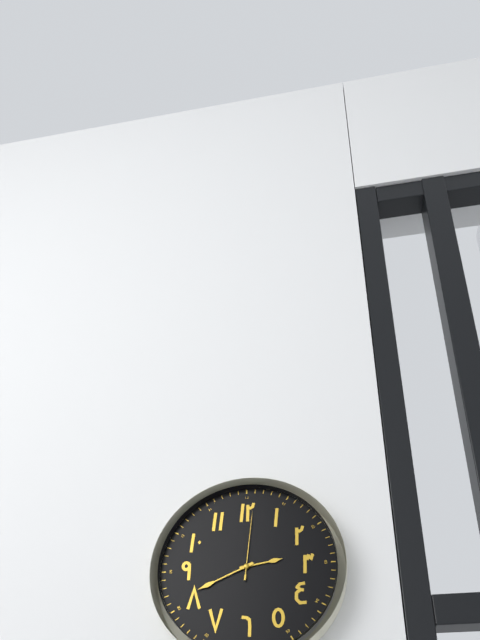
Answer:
2,41,01
